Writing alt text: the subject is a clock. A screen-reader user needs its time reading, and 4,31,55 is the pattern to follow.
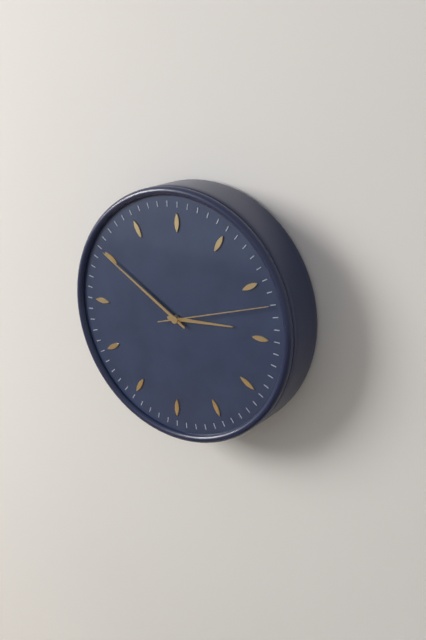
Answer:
2,50,12
